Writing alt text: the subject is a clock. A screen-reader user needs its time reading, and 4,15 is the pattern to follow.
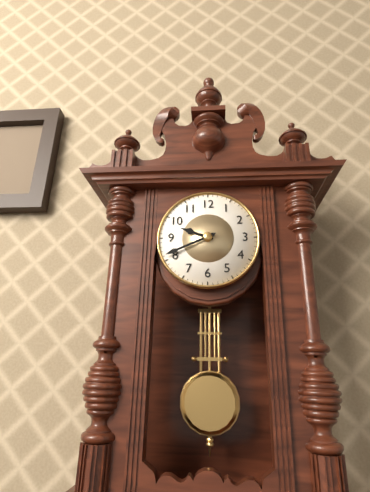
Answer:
9,41
